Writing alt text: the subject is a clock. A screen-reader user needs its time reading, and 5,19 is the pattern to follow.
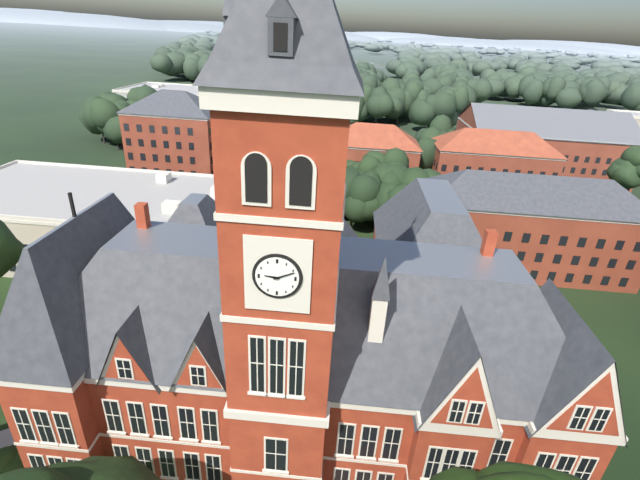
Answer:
9,11
